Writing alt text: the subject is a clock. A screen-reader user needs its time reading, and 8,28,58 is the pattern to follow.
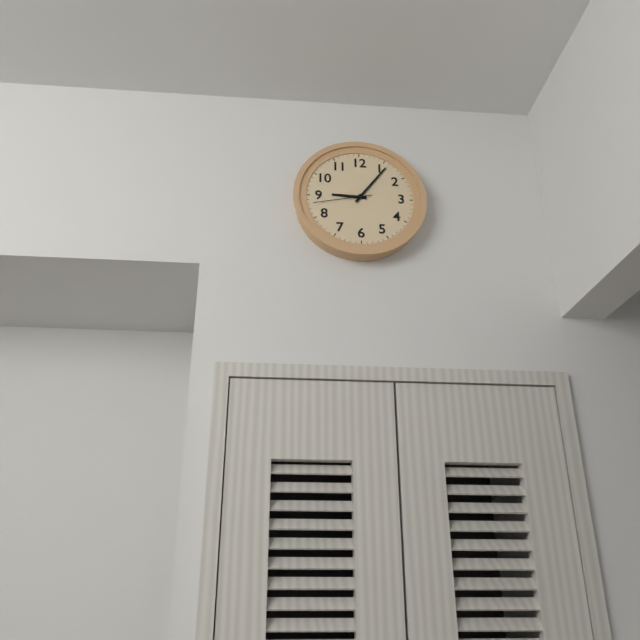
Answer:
9,06,43
